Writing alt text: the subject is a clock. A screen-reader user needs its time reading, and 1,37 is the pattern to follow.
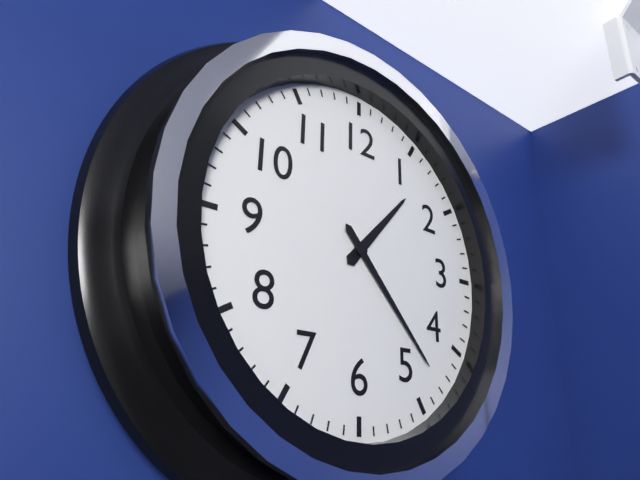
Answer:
1,23
